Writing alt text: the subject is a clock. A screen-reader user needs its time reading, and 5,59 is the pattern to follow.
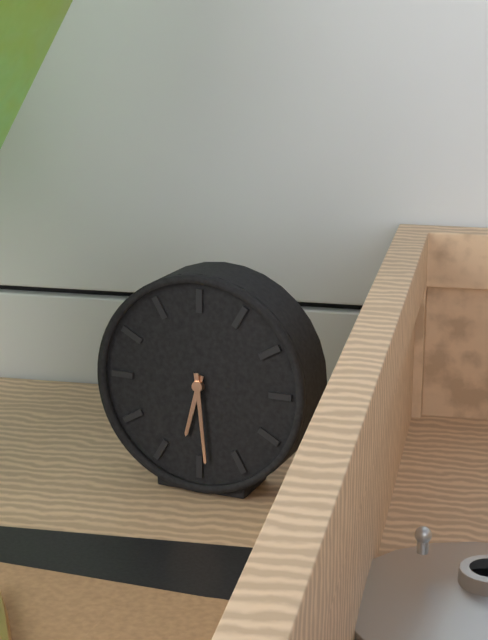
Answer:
6,29
